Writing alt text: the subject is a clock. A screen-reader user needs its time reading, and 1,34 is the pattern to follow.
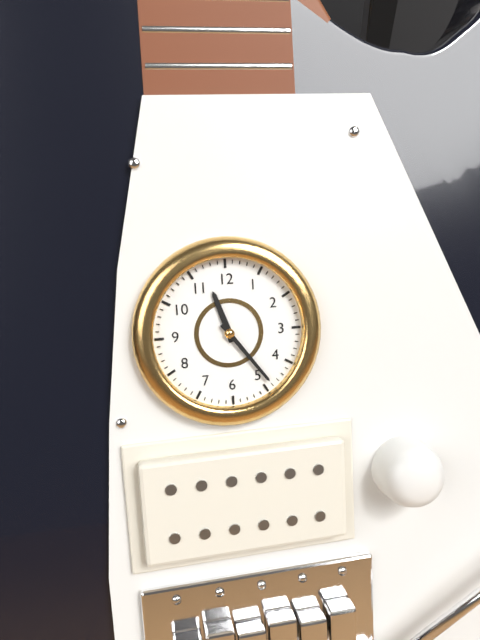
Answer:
11,24
